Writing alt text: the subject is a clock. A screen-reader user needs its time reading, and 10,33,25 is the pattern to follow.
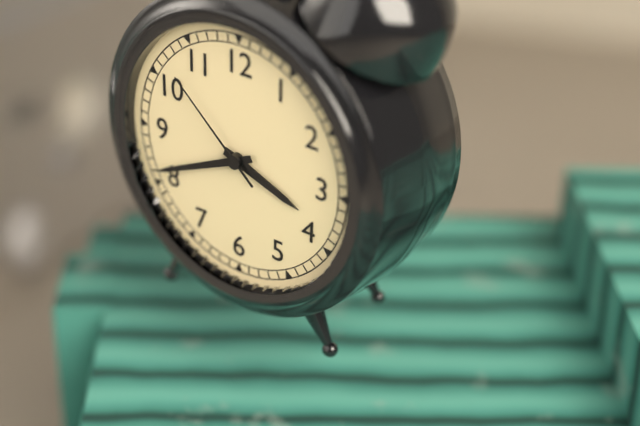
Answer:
3,41,52
